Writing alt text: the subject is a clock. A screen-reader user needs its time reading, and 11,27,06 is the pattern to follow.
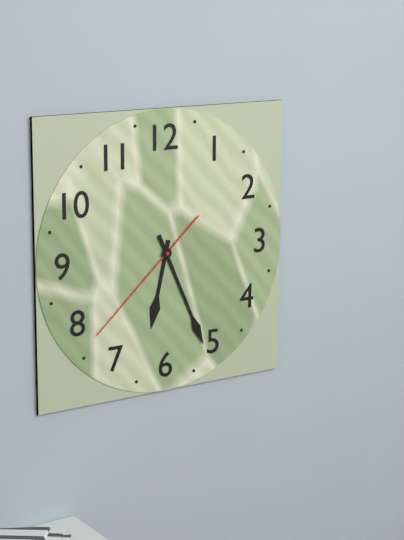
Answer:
6,26,38
